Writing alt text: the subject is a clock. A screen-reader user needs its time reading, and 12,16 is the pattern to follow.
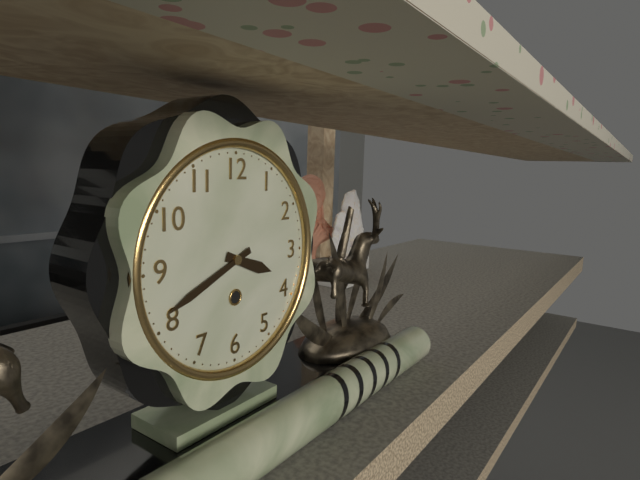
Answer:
3,41
